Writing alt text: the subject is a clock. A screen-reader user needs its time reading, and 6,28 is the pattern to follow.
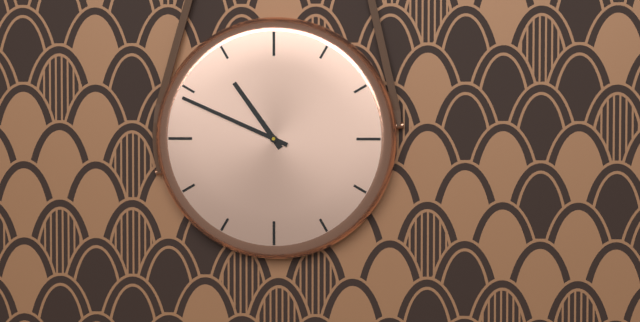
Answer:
10,49
